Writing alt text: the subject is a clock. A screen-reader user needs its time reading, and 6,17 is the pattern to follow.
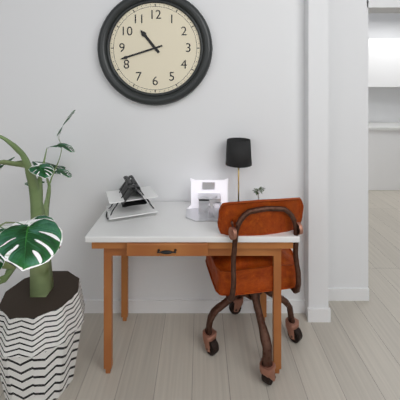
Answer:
10,42
